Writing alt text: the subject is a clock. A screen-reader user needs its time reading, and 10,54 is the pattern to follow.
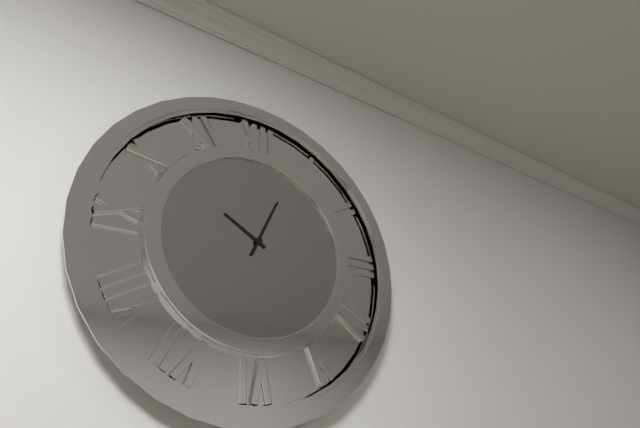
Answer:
10,04
